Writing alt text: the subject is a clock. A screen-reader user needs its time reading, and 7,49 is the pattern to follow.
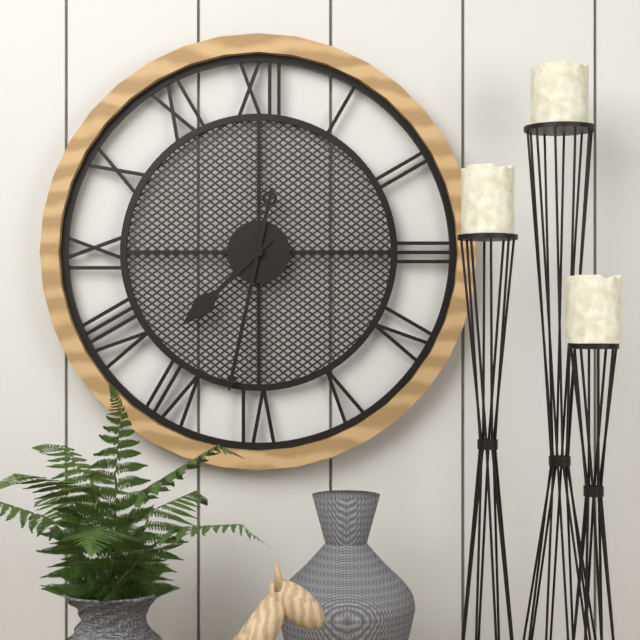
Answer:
7,32
